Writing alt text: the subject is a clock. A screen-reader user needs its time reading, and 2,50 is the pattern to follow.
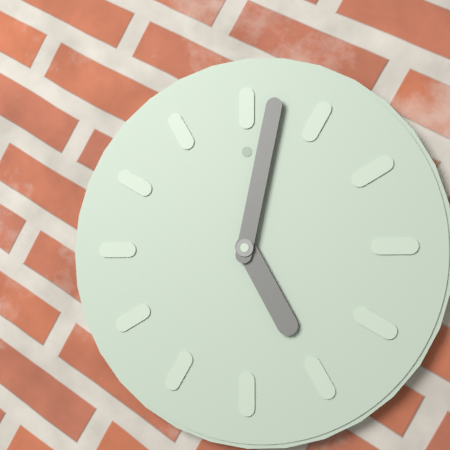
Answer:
5,02
